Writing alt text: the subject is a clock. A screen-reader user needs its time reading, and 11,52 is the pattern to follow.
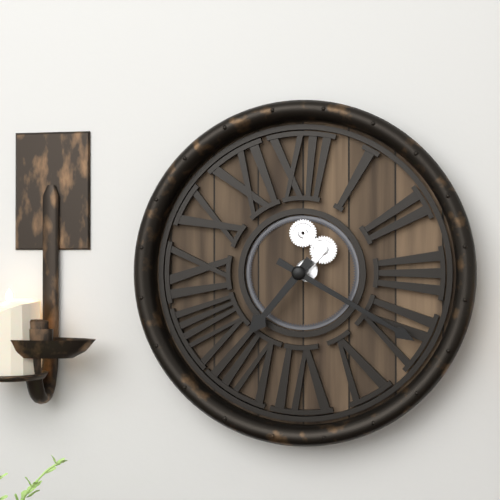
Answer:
7,20
